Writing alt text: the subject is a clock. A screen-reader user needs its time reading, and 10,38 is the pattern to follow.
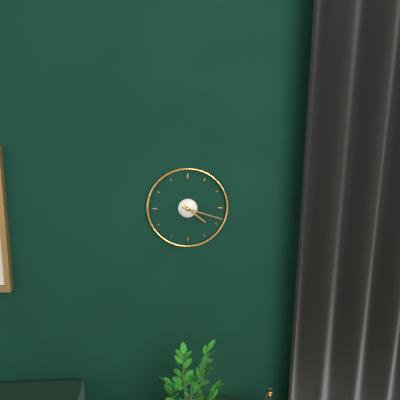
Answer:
4,18
